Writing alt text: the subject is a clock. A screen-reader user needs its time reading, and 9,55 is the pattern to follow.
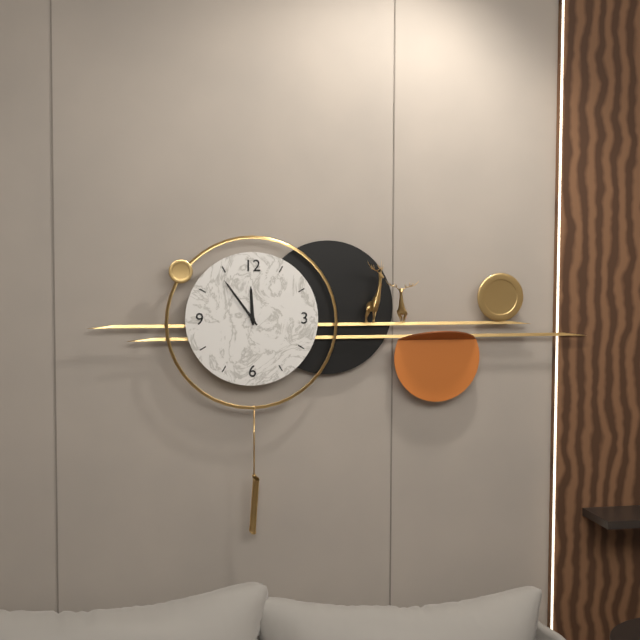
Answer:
11,54
